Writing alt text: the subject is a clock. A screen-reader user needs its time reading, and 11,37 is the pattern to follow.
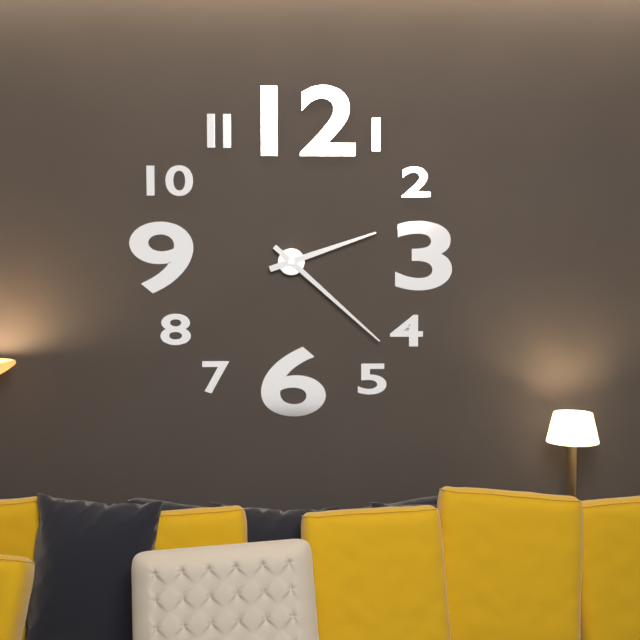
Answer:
2,22
